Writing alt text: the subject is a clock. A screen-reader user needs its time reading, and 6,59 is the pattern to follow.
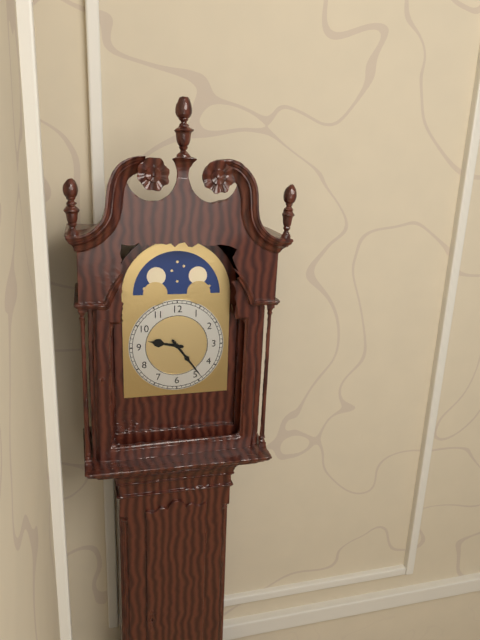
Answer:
9,24
